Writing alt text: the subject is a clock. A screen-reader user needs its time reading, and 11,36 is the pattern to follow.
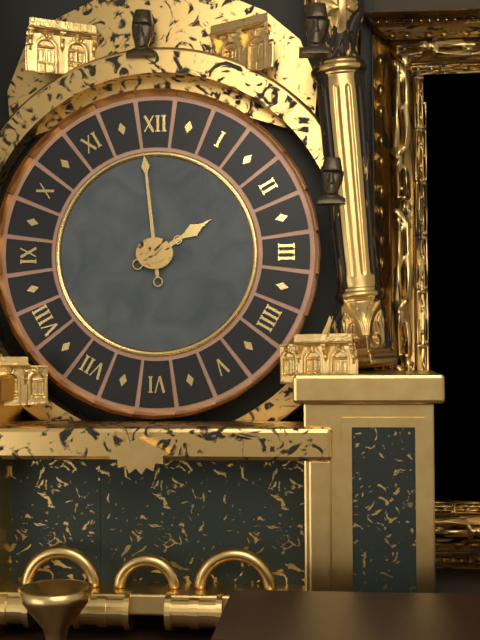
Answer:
1,59
